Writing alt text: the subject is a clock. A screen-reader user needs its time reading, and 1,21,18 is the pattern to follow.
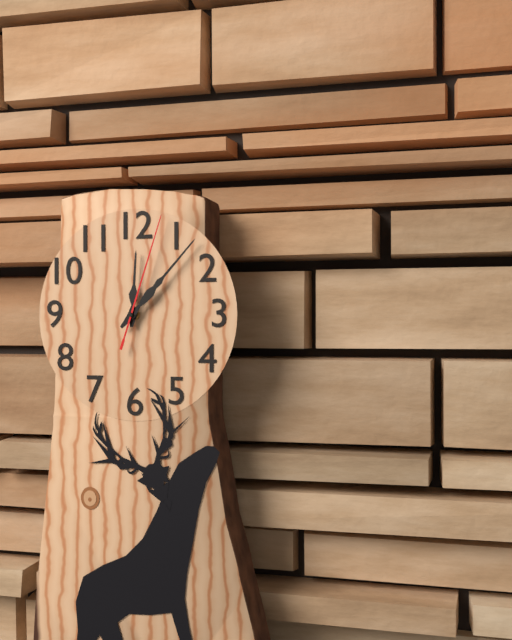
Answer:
12,07,03
